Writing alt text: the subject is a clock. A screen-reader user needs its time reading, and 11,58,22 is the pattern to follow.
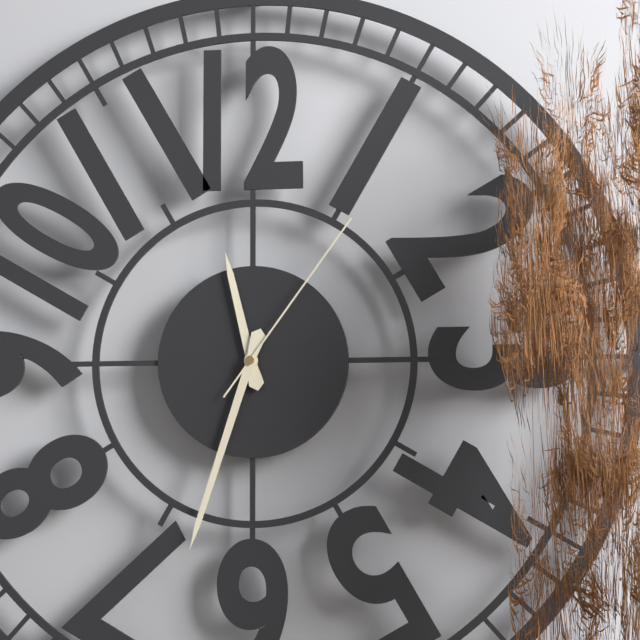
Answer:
11,33,06
